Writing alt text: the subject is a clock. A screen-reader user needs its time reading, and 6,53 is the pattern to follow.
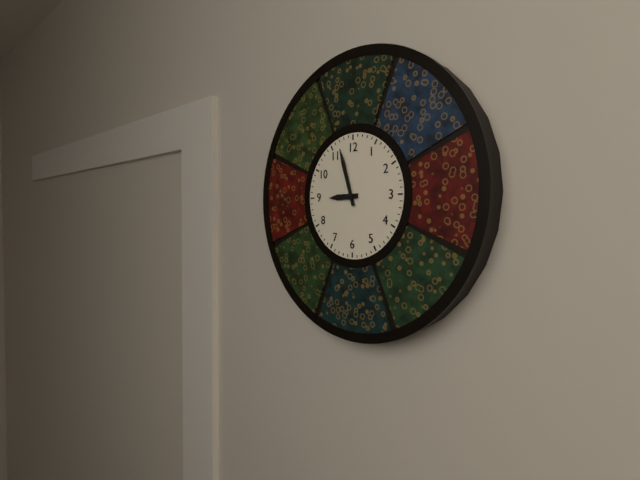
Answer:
8,57
